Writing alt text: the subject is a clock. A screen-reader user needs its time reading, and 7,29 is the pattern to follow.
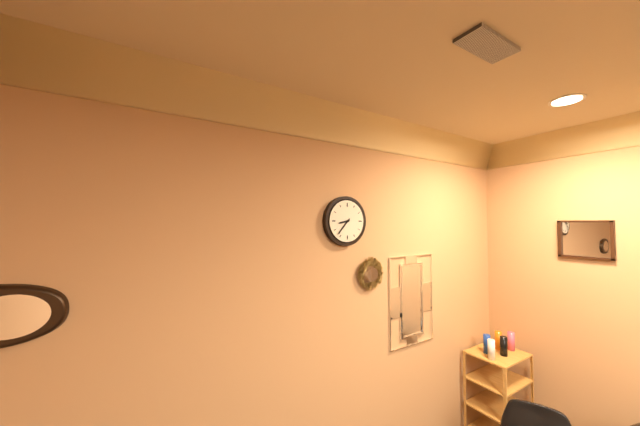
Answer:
8,37
